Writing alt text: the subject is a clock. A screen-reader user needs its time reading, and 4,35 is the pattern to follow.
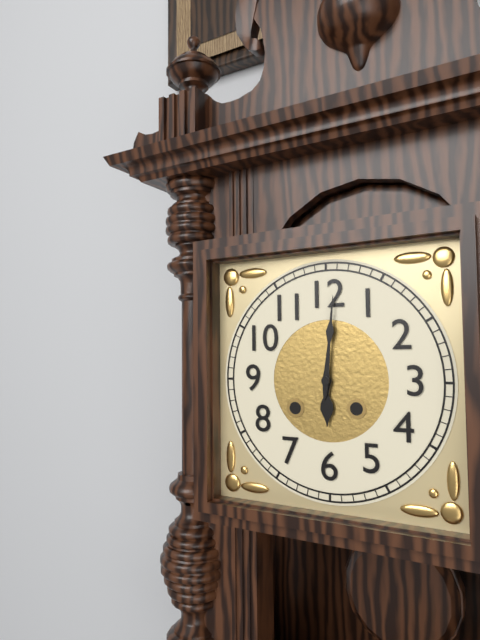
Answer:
6,01
